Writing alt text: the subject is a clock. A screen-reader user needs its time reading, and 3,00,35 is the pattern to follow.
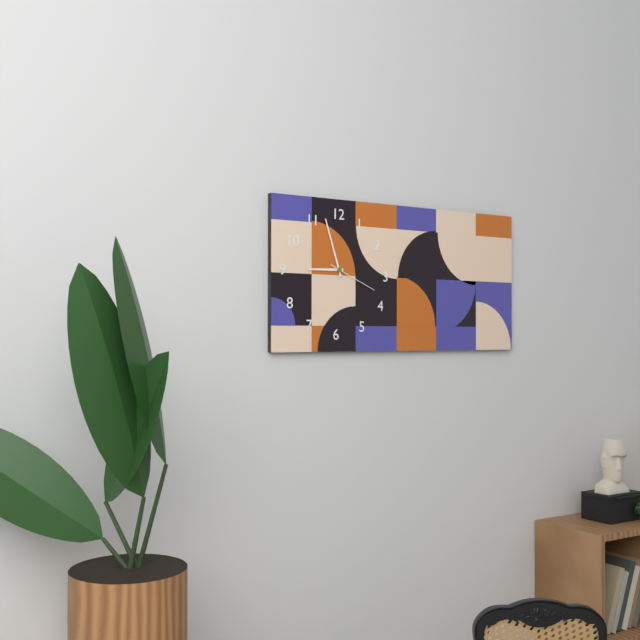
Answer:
8,57,19
